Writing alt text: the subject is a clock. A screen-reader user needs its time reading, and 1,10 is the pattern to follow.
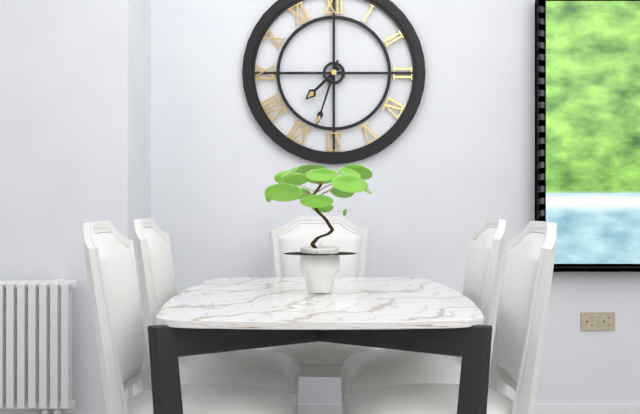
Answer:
7,33
